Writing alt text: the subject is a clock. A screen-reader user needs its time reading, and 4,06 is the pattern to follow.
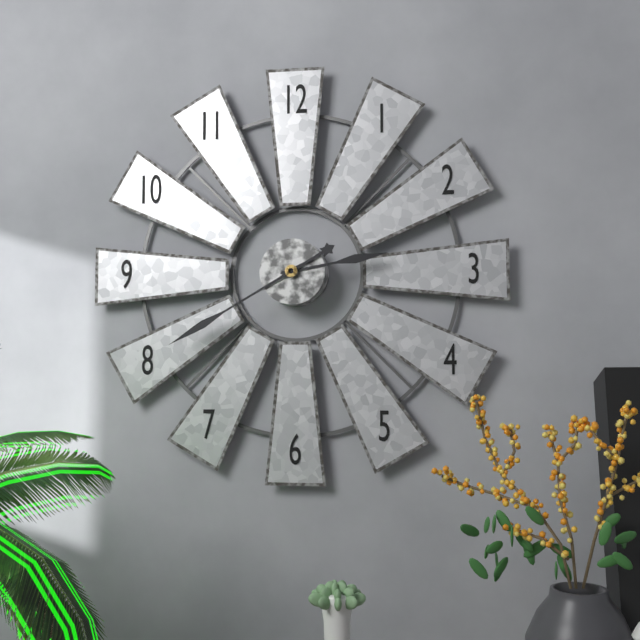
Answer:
2,40
